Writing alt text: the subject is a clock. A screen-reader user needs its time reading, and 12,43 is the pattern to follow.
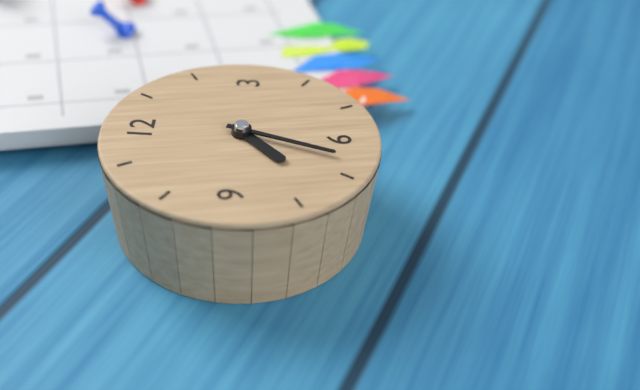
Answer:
7,33
